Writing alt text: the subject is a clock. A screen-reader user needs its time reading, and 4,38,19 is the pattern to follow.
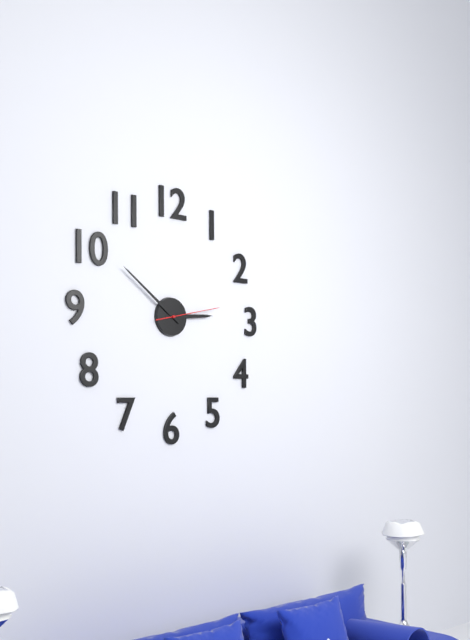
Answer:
2,51,13
